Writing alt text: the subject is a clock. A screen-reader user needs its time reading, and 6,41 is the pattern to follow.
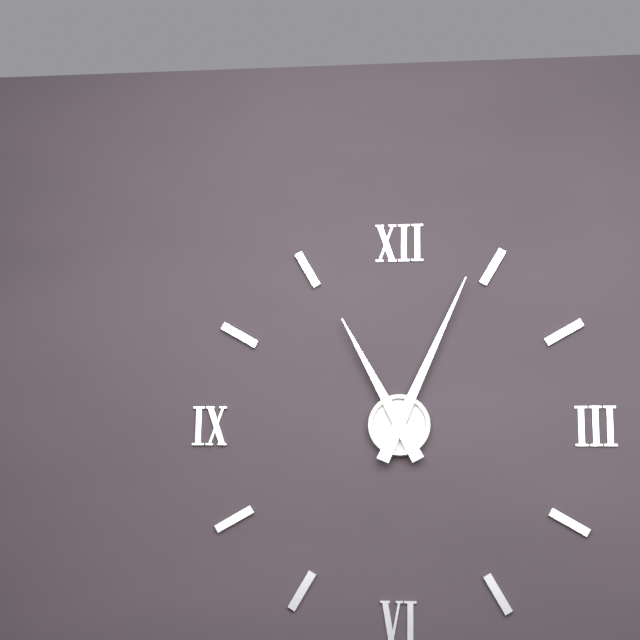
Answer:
11,04
